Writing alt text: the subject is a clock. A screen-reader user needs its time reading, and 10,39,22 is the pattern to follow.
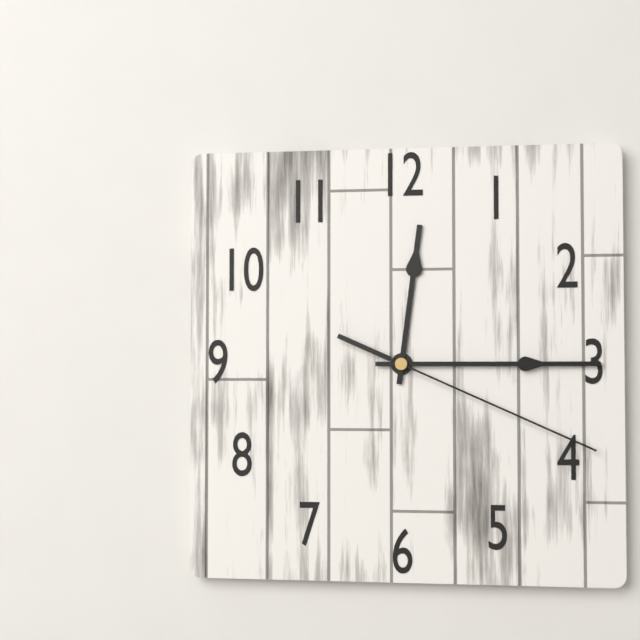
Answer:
12,15,19
